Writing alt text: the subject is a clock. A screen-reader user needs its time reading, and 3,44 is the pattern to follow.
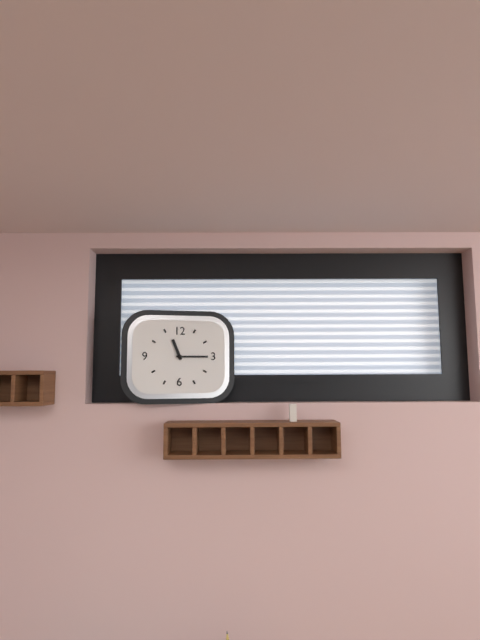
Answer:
11,15
